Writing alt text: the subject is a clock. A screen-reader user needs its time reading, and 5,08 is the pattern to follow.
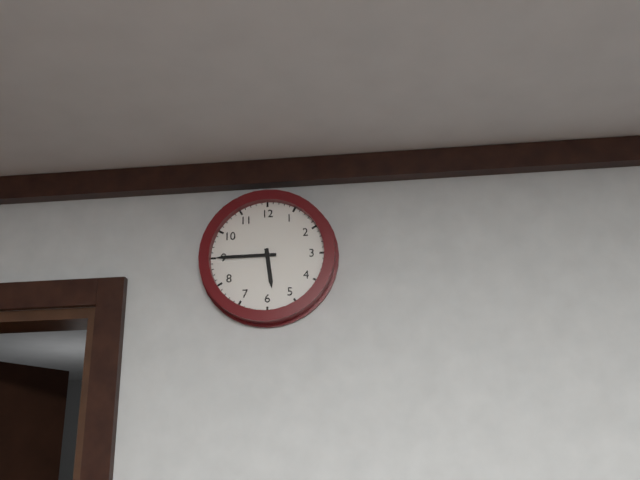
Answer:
5,45
